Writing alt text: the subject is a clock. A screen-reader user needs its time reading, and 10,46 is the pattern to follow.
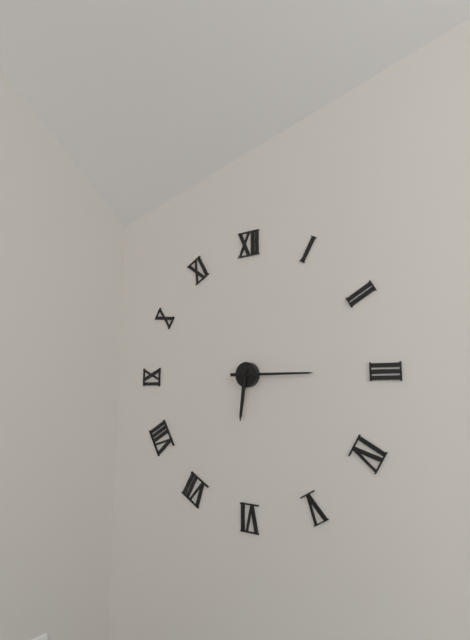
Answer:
6,15
